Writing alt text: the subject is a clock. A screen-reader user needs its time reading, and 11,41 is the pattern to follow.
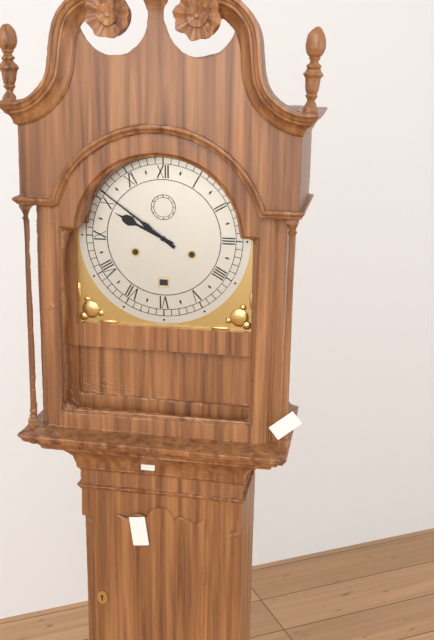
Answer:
9,51
